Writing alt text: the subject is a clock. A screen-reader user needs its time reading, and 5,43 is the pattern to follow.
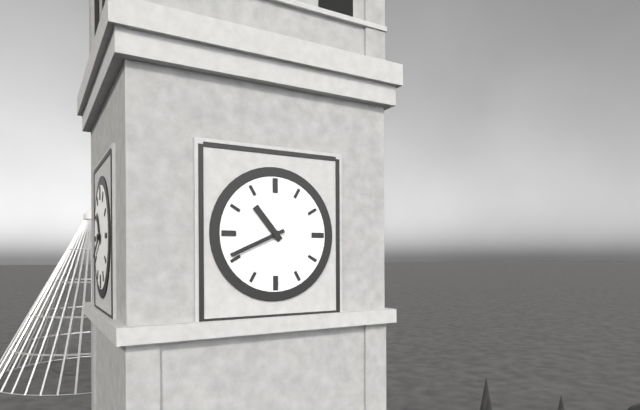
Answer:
10,41
